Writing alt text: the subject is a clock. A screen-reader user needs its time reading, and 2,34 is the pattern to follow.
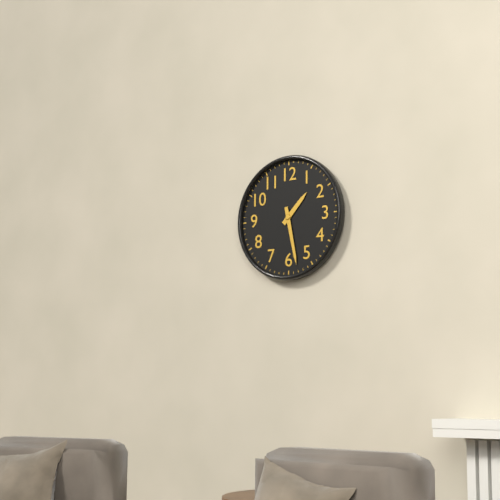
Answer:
1,28
